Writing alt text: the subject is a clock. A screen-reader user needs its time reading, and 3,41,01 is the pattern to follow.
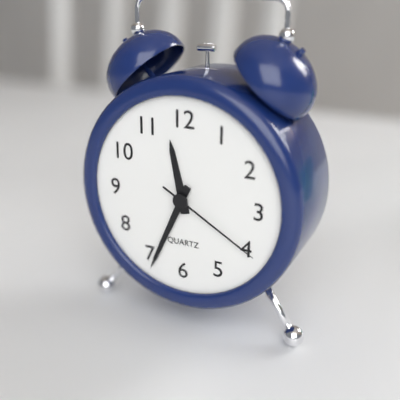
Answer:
11,34,20
